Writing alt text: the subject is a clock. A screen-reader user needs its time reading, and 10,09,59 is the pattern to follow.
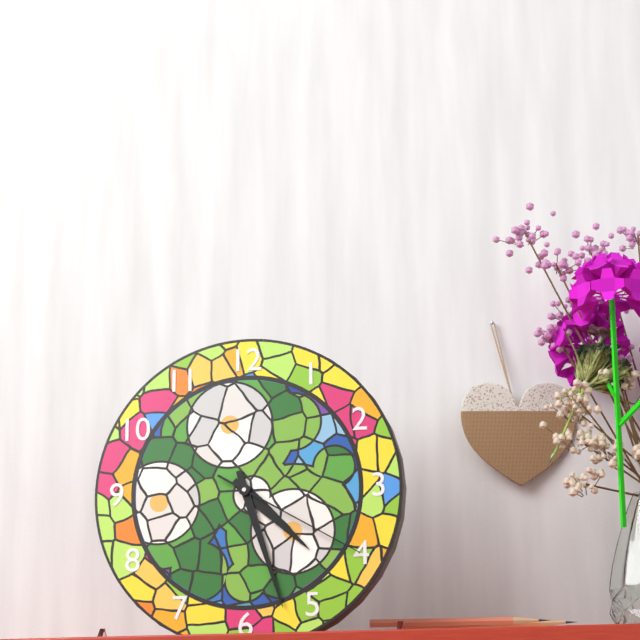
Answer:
4,27,20
